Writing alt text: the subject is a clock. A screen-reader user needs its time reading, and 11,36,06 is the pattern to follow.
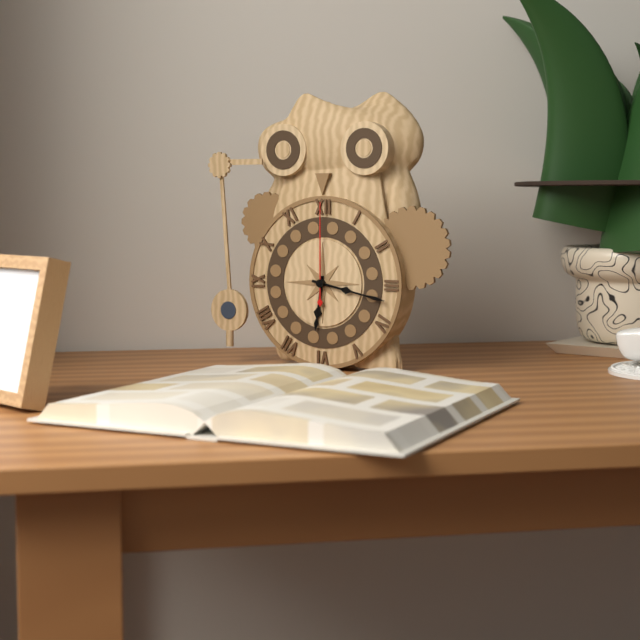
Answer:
6,17,00
